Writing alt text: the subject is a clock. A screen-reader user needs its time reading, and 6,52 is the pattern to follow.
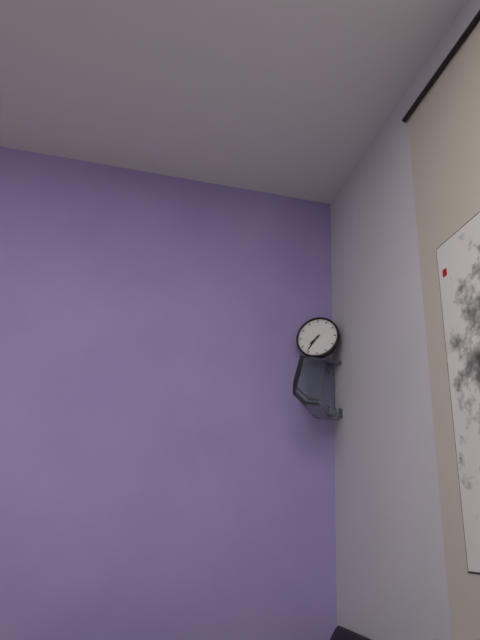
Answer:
7,36
